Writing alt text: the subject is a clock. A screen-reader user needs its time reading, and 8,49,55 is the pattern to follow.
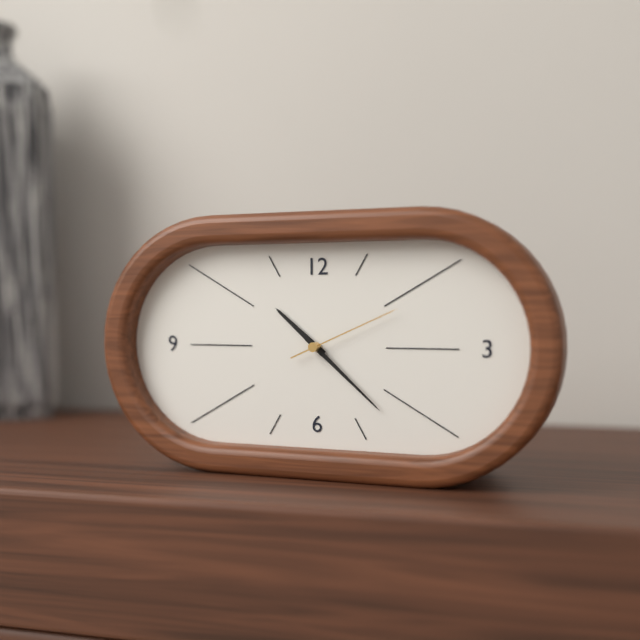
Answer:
10,22,11
